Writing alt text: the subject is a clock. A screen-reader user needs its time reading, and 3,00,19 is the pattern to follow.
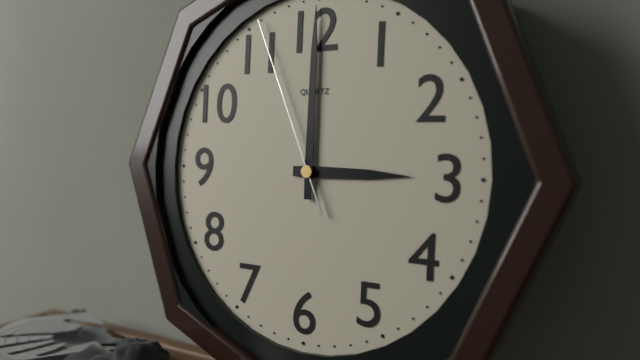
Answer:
3,00,56
